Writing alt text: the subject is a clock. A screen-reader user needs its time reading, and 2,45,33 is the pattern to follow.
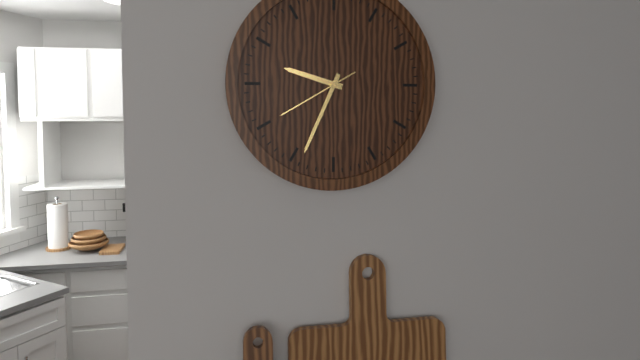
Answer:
9,34,40
